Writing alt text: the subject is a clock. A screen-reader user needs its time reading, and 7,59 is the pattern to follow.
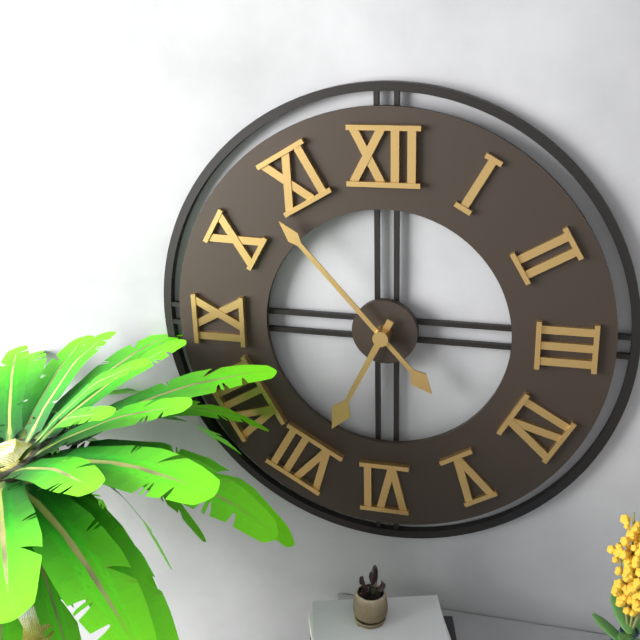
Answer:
6,53
